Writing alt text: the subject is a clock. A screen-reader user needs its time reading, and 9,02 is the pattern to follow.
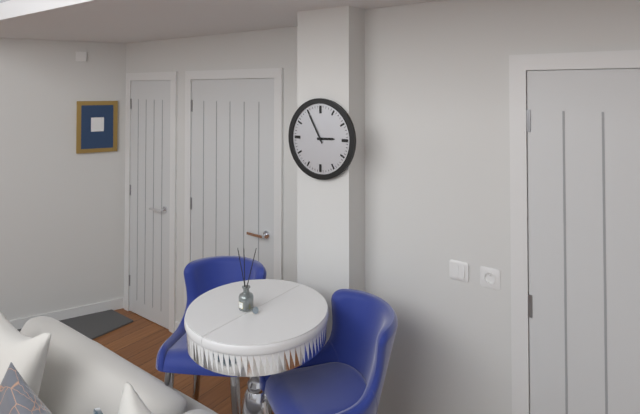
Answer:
2,55
